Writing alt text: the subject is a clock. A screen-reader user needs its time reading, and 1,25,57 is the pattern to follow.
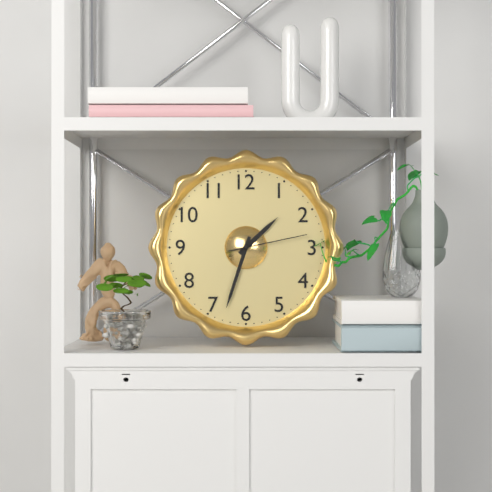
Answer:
1,33,13
